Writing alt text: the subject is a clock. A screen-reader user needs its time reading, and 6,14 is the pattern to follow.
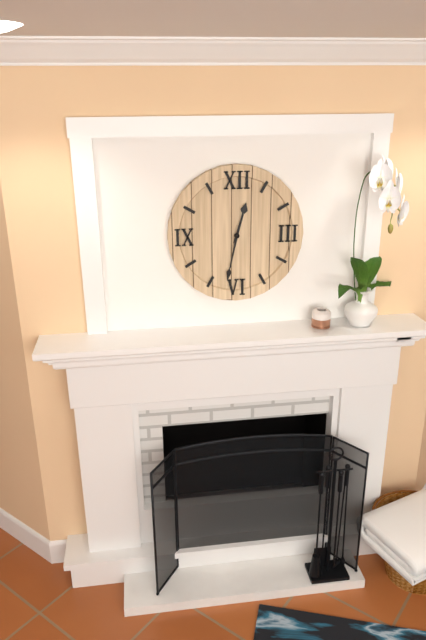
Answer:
12,32
